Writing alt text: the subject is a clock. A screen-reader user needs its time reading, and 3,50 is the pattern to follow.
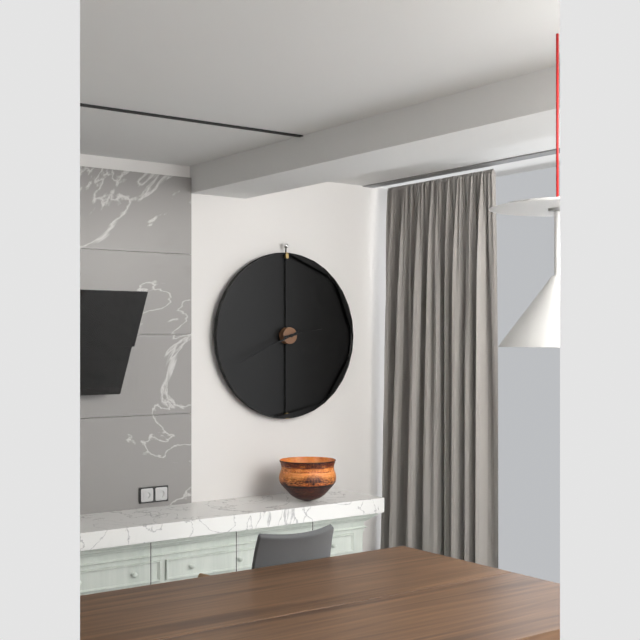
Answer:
2,41
